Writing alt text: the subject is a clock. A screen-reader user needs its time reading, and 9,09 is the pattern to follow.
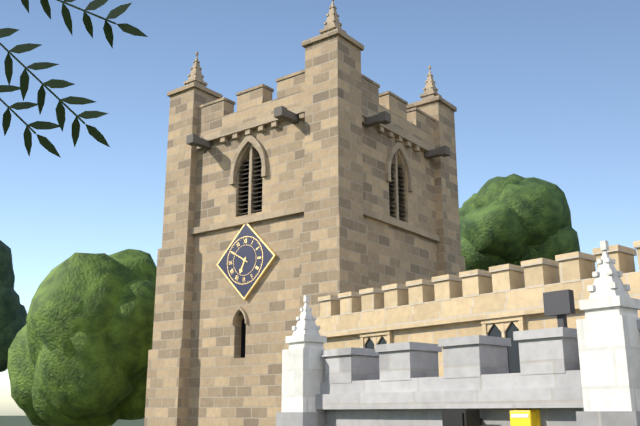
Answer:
6,50
